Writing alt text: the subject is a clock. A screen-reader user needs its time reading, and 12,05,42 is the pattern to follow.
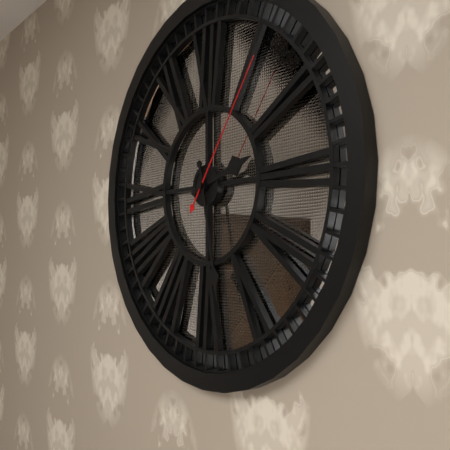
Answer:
2,28,06
